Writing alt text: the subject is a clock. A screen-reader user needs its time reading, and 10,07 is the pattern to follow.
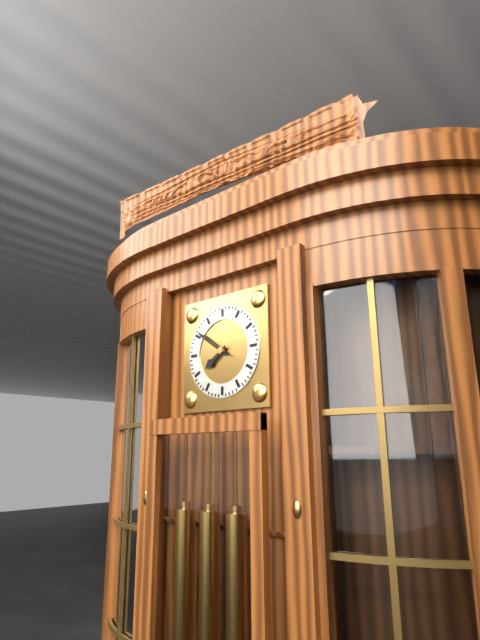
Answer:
7,51
